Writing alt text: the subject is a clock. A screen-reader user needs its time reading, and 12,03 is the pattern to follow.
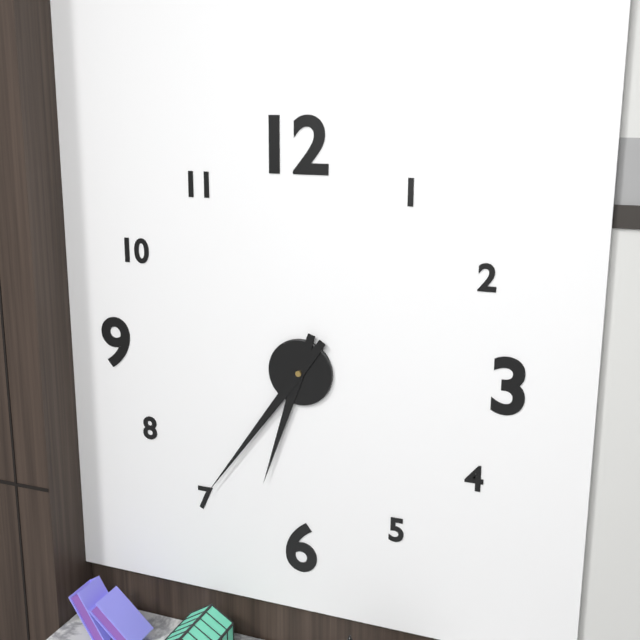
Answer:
6,36
